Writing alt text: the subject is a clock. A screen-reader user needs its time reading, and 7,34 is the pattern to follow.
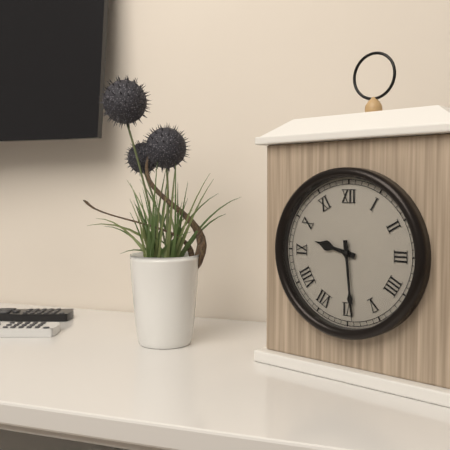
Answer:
9,29
